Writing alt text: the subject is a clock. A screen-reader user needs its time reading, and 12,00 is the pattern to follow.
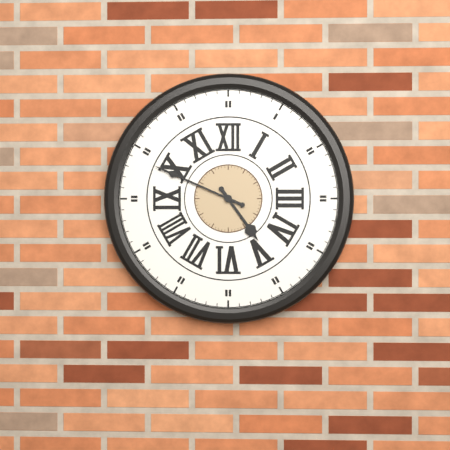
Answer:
4,49
